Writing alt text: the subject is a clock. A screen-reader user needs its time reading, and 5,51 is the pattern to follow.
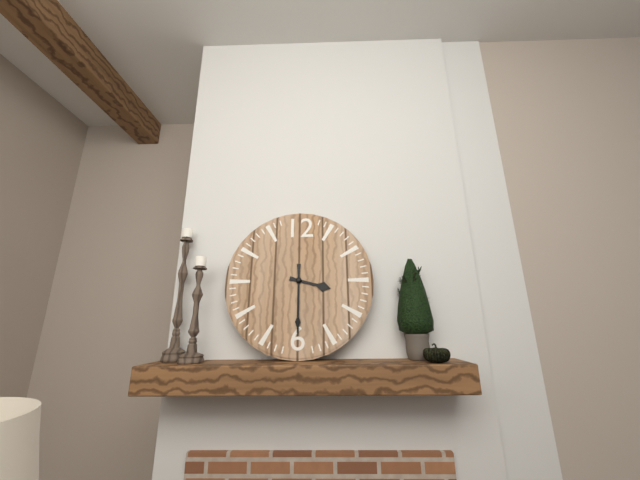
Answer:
3,30
